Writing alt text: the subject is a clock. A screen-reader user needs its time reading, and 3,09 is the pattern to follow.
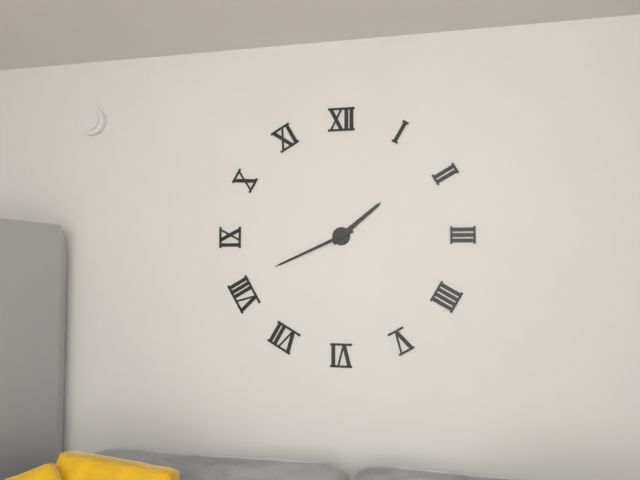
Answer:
1,41
